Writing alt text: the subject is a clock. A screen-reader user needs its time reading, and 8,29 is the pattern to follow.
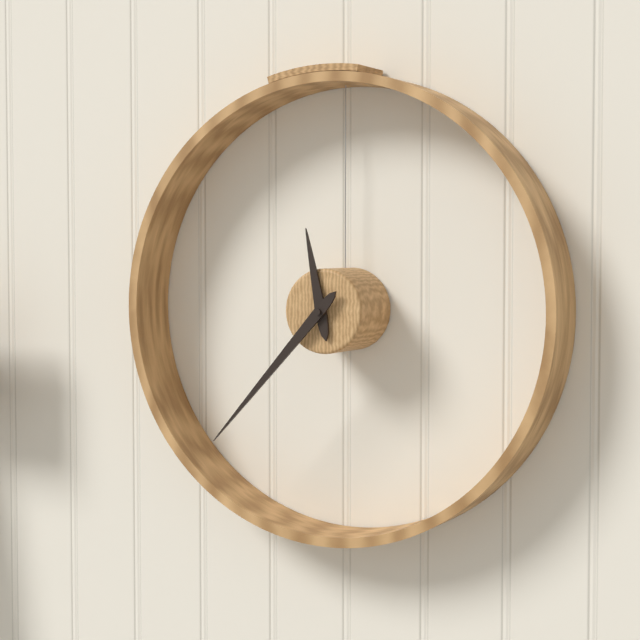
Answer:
11,37
